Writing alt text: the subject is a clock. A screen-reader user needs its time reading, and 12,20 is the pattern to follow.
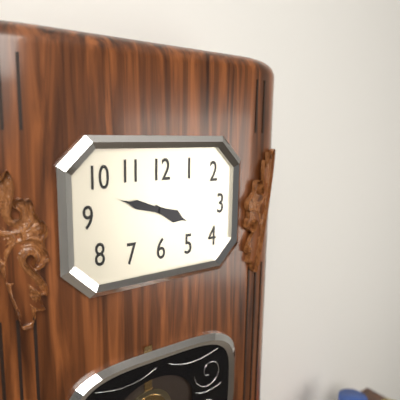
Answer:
3,48
